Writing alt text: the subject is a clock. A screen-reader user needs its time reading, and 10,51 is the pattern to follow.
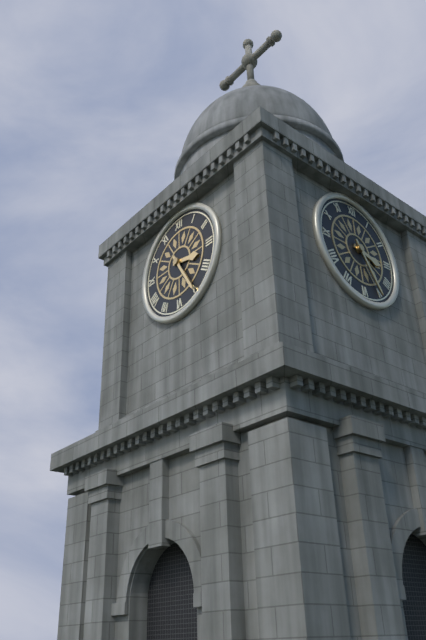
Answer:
3,25
